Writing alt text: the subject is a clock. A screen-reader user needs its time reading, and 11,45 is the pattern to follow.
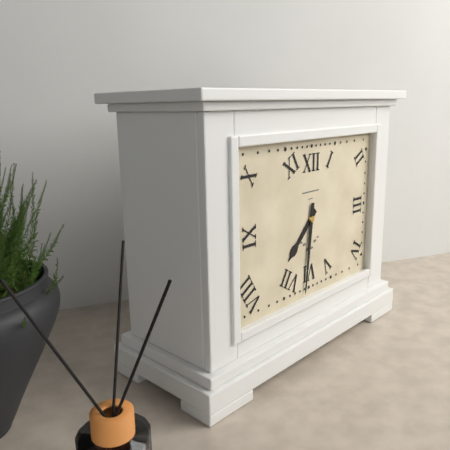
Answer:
7,31
